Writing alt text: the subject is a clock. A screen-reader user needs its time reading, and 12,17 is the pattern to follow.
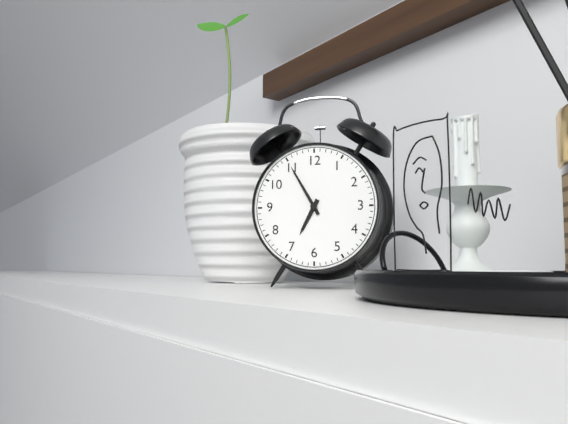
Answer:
6,55
